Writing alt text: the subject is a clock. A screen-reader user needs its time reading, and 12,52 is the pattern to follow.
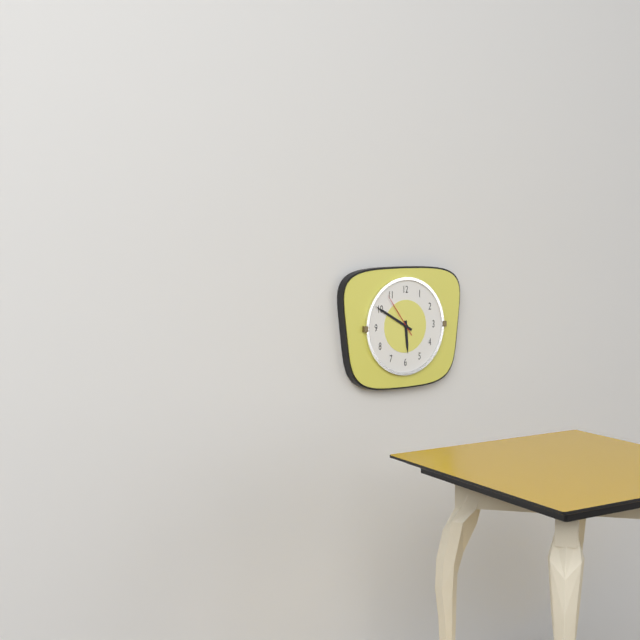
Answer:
5,50
